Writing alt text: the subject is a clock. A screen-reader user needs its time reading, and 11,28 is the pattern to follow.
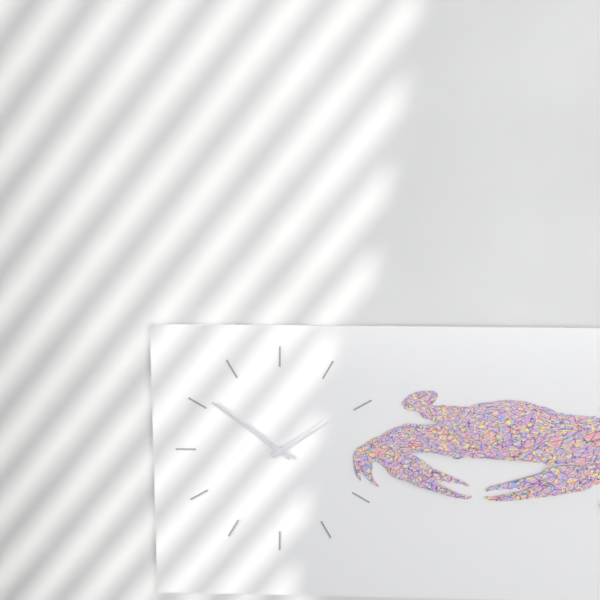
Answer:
1,51
